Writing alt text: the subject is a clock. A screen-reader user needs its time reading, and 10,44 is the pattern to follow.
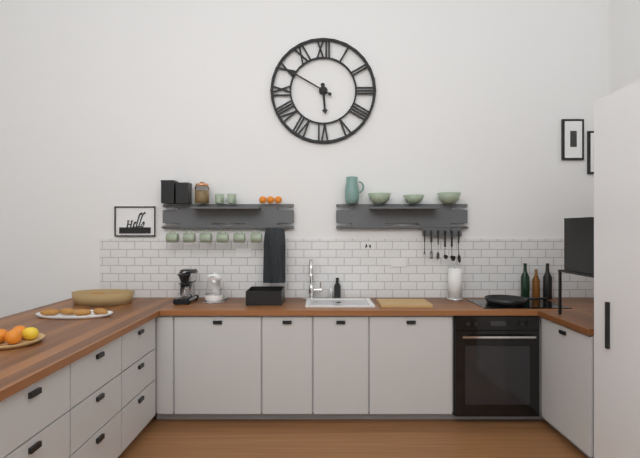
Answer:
5,50
